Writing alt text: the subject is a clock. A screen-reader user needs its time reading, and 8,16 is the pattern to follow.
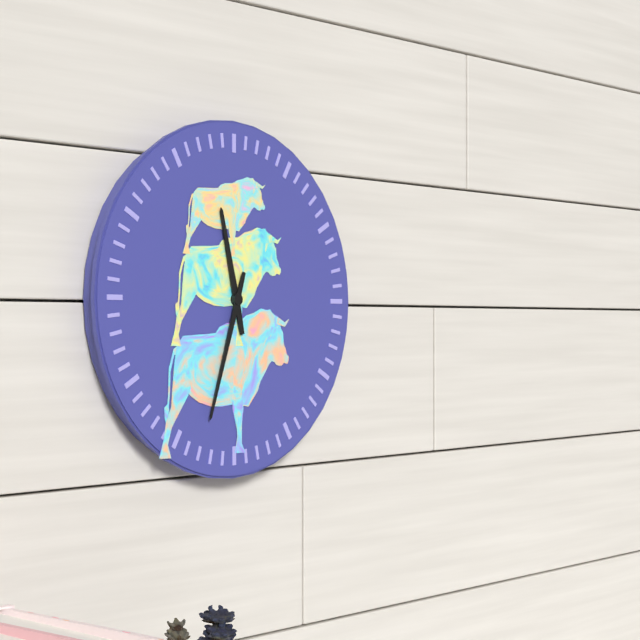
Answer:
11,33
